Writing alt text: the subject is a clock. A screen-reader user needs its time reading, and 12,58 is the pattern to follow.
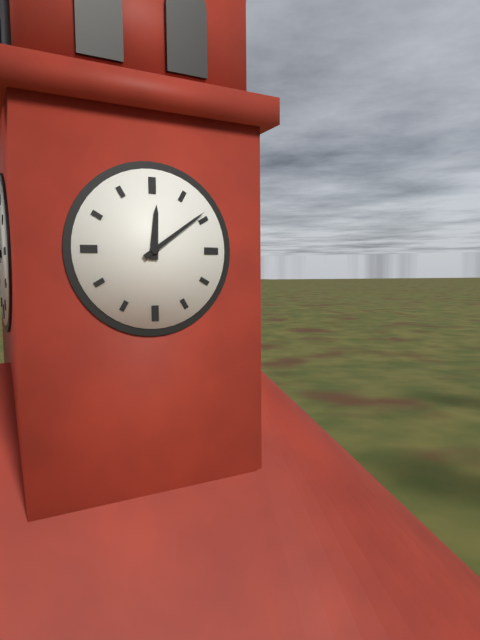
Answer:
12,09
